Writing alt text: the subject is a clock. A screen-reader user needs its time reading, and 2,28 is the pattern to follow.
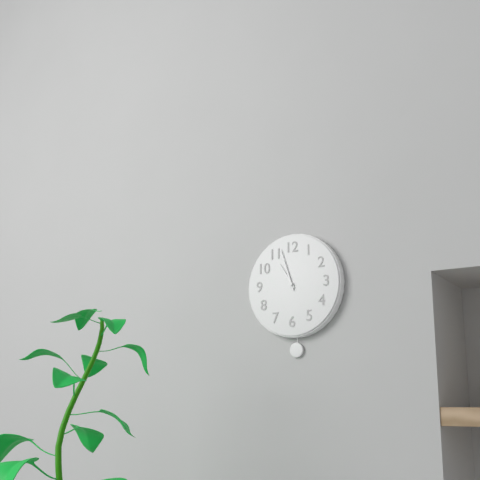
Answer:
10,57
